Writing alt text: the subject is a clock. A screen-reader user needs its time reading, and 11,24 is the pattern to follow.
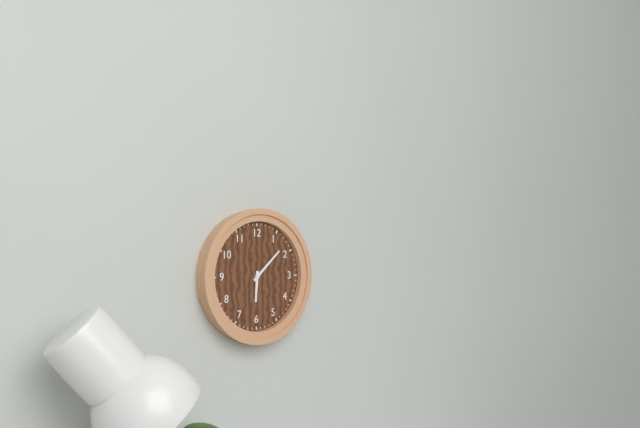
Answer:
6,08
